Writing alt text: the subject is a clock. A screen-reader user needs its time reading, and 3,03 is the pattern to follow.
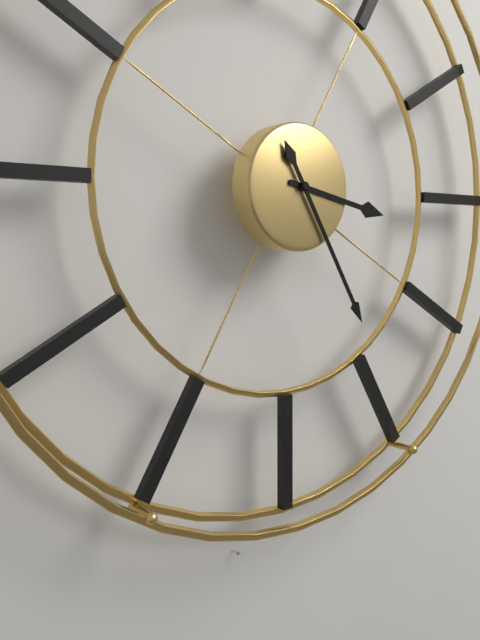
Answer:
3,25
